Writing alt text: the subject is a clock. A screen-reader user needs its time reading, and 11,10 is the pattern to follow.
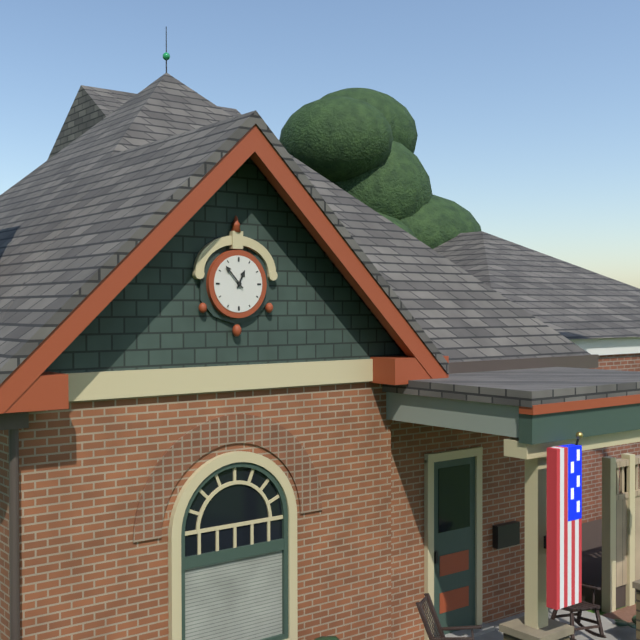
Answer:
12,53
